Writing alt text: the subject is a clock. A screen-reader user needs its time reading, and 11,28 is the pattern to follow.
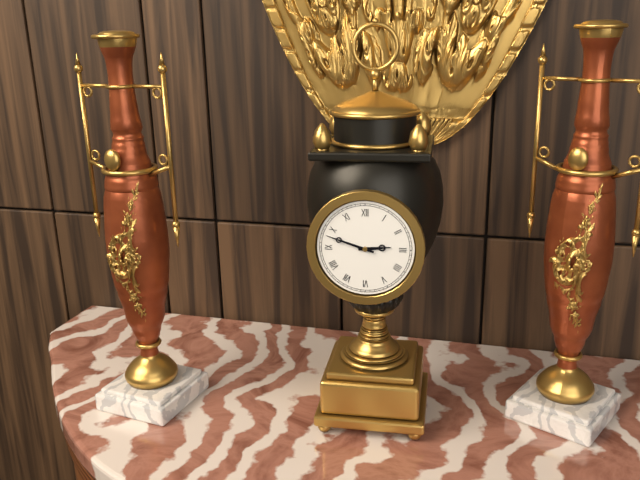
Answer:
2,48
